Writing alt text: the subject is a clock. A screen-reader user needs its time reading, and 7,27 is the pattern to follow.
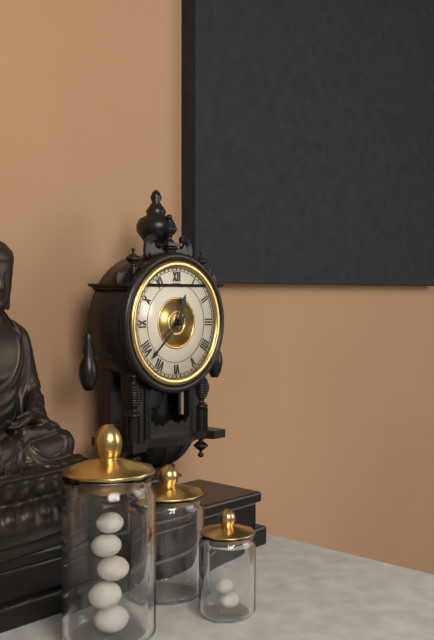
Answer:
12,38
